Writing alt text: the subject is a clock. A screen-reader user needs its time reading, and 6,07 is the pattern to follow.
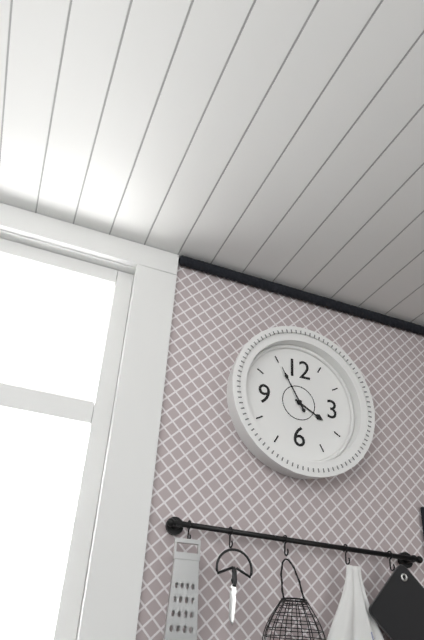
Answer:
3,55
